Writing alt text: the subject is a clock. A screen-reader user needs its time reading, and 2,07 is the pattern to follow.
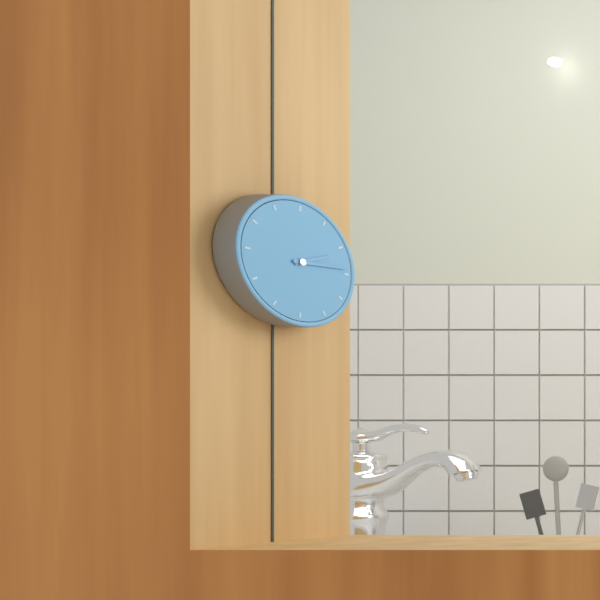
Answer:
2,14
